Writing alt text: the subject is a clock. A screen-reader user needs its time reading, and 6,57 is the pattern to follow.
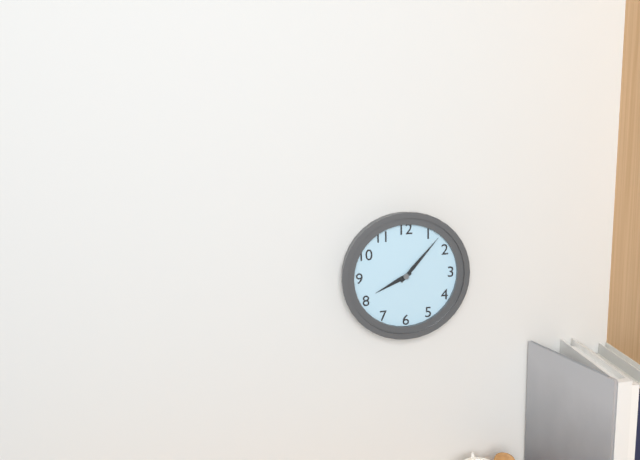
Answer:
8,07
